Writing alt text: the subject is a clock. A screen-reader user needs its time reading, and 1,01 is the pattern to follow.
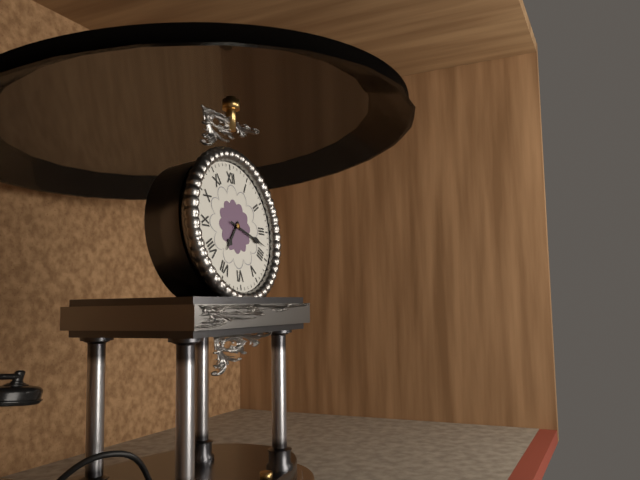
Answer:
7,18
